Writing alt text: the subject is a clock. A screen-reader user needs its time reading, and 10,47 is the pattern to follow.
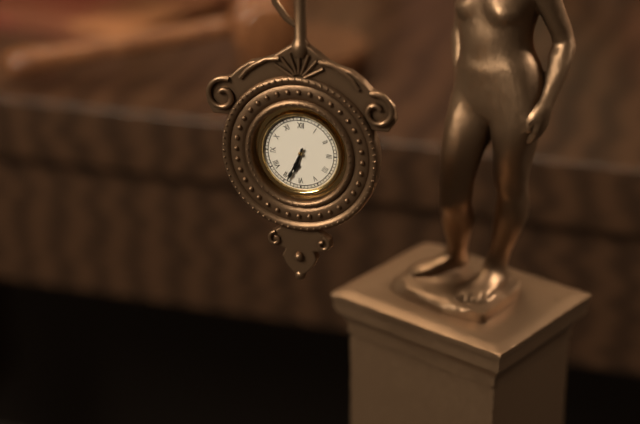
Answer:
6,34
